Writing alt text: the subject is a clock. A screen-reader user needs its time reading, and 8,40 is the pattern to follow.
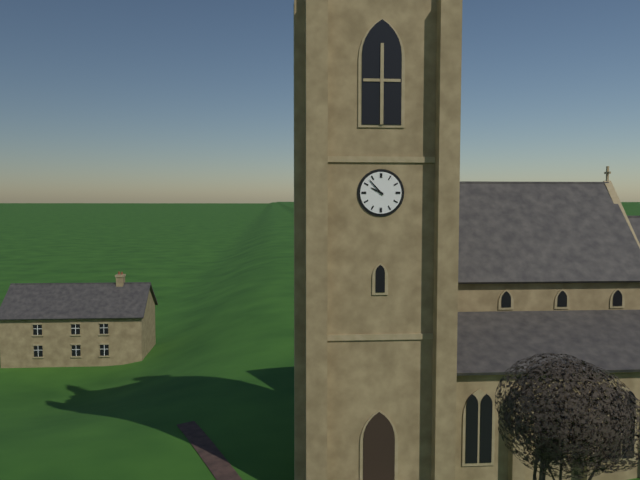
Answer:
9,53
